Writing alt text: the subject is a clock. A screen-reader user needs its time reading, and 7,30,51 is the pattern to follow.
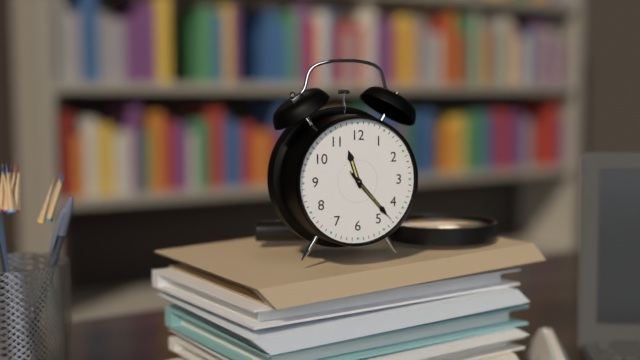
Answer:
11,23,23
